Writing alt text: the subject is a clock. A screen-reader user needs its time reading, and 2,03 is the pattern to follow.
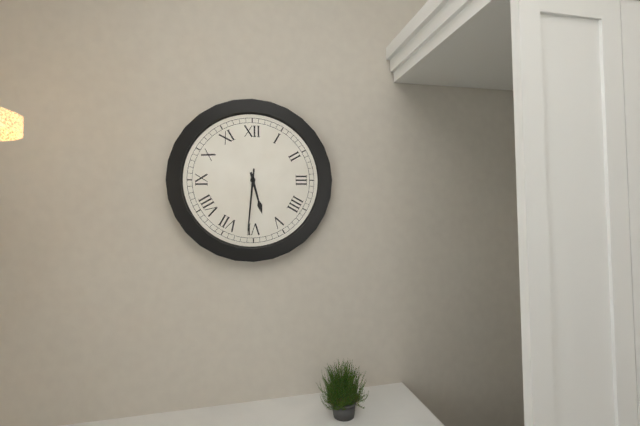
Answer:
5,31
